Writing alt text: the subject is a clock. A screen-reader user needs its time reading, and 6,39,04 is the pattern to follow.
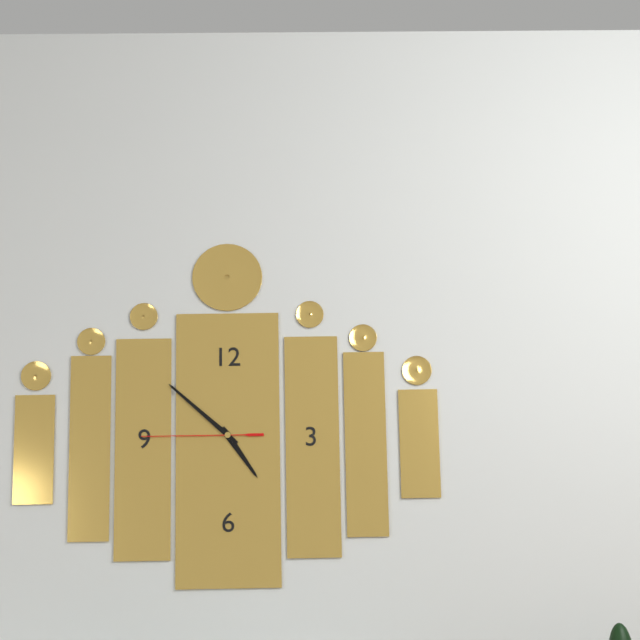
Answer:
4,52,45
